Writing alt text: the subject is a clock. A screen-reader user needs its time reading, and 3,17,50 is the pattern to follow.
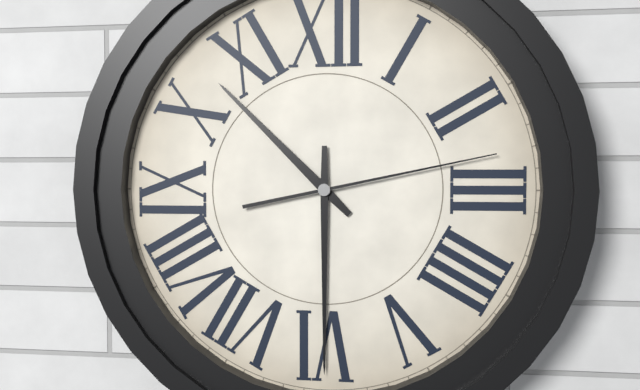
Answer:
10,30,13
